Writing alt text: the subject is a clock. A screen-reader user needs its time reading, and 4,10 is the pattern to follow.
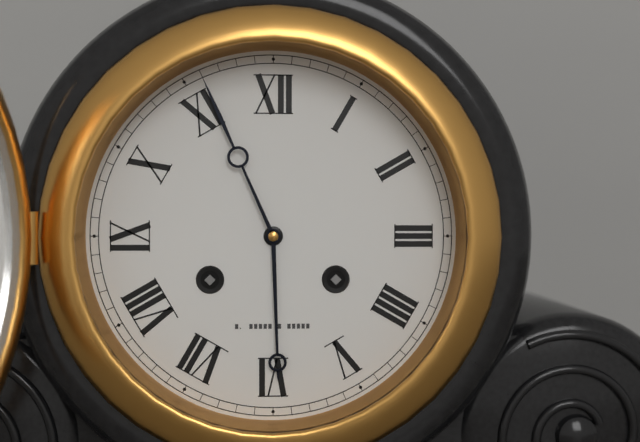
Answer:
5,56
